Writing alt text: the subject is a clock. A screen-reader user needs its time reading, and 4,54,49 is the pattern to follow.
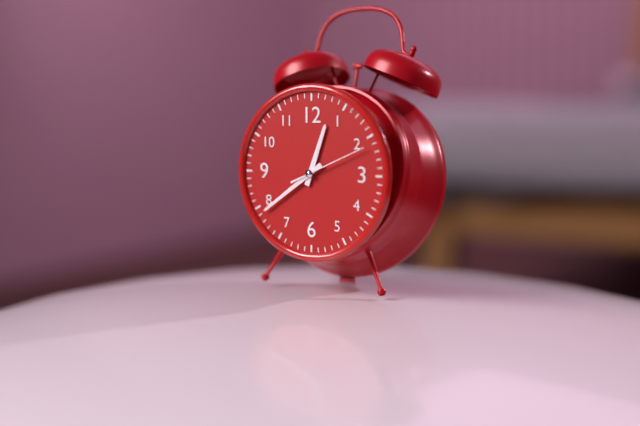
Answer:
12,39,11
